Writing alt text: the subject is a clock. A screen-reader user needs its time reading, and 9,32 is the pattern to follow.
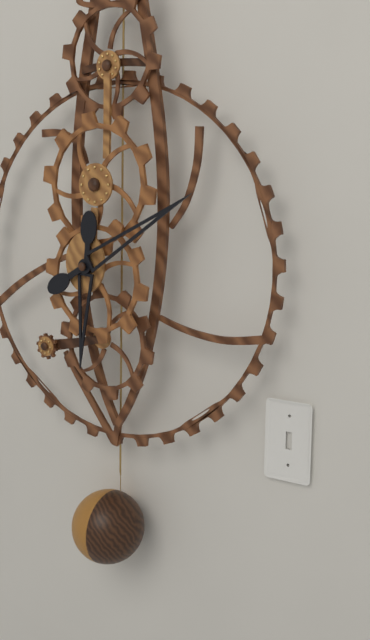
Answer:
6,10
